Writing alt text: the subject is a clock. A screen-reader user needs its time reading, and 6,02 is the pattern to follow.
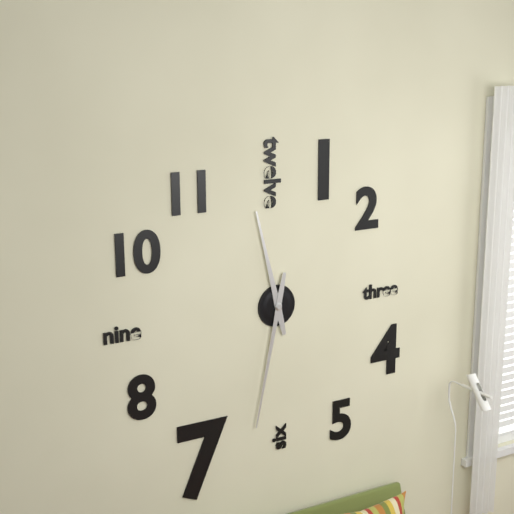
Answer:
11,32
